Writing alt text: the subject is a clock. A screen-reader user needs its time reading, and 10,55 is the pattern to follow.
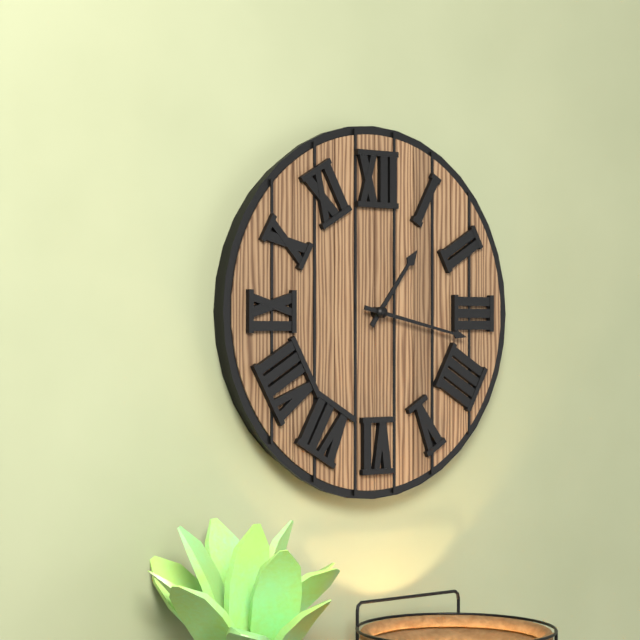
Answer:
1,17
